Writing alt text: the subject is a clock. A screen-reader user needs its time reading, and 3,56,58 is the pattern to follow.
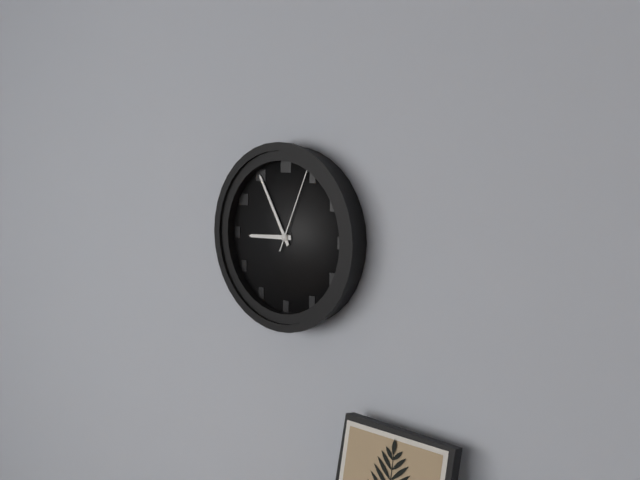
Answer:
8,55,04
